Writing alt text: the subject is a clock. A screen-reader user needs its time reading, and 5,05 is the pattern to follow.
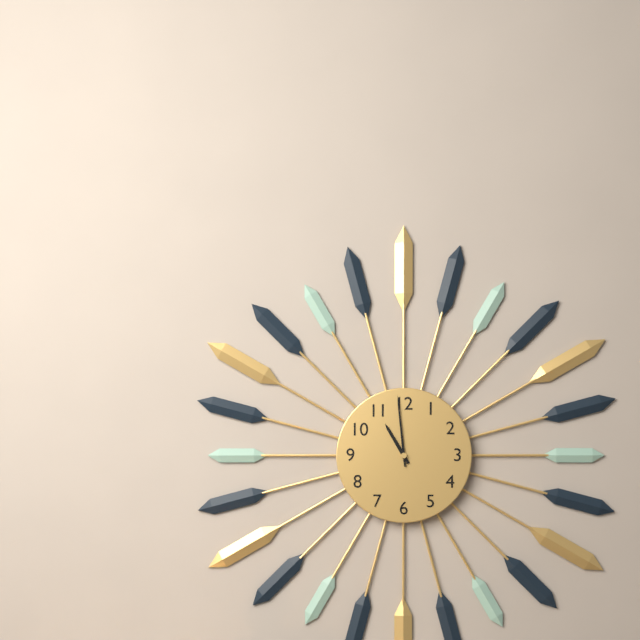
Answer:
10,59
